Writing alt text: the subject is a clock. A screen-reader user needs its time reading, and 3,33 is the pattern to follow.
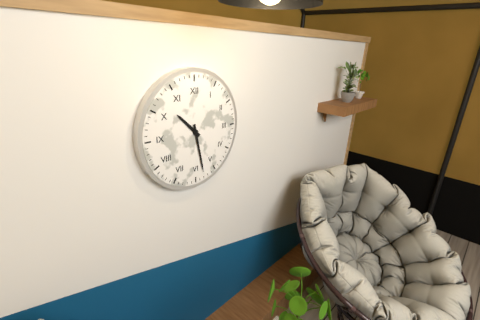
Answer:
10,28
